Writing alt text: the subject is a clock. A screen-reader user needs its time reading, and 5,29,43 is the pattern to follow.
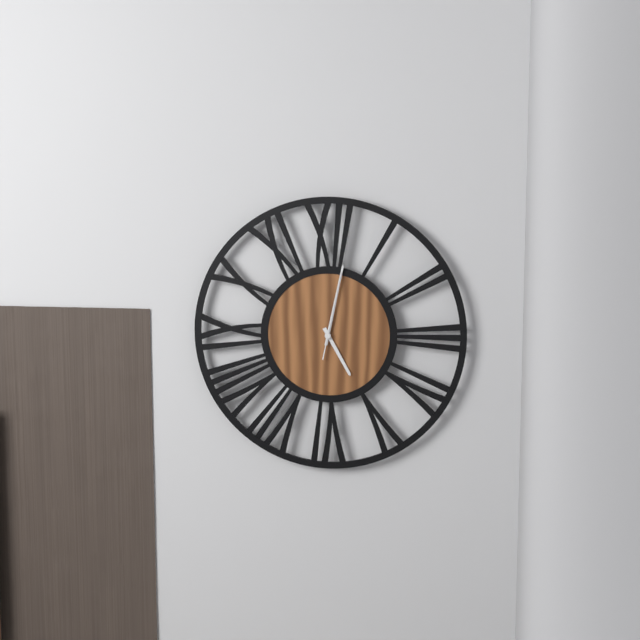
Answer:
5,02,02
